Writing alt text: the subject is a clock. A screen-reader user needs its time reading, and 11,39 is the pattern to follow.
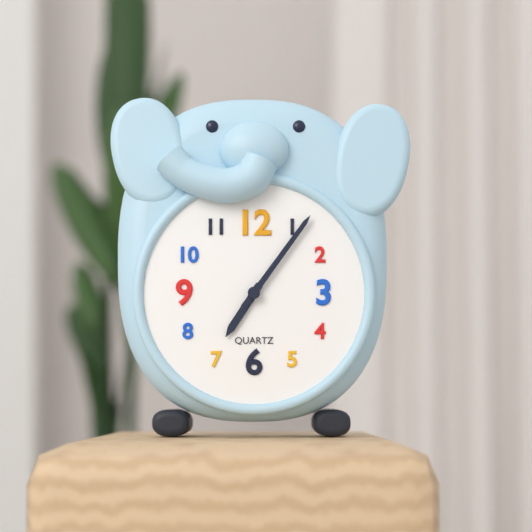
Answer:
7,06
